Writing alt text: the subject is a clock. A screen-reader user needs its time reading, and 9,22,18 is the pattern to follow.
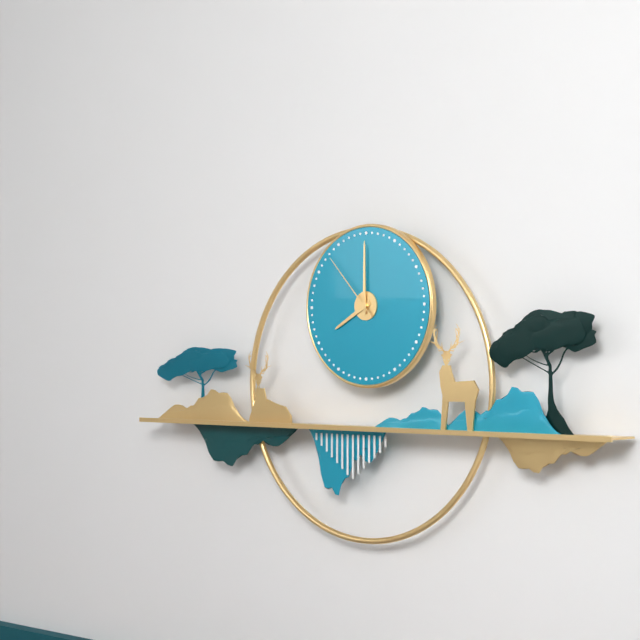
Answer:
8,00,53
